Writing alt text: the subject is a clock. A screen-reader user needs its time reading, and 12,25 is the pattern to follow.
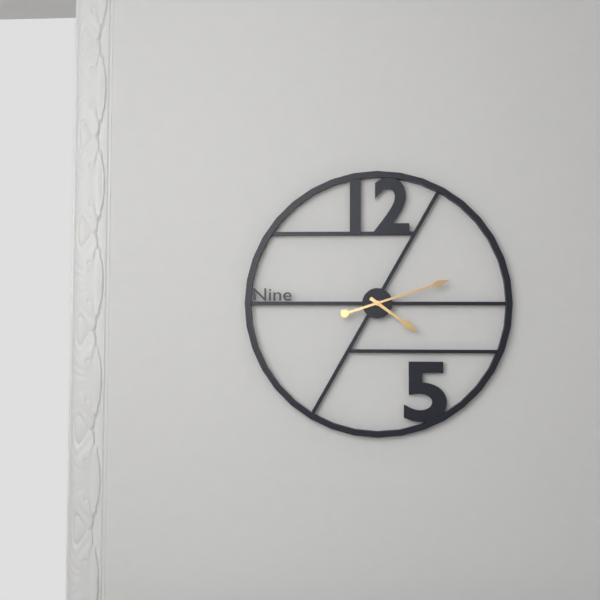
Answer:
4,12
